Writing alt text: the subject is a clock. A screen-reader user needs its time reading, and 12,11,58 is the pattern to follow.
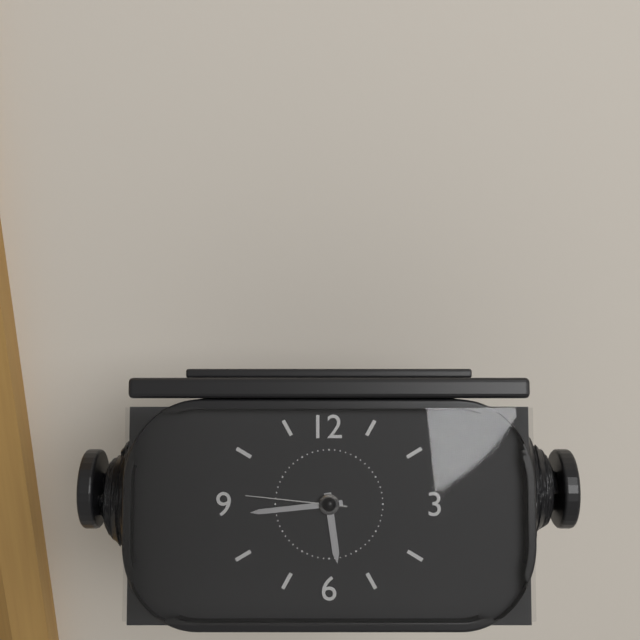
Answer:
5,44,46
